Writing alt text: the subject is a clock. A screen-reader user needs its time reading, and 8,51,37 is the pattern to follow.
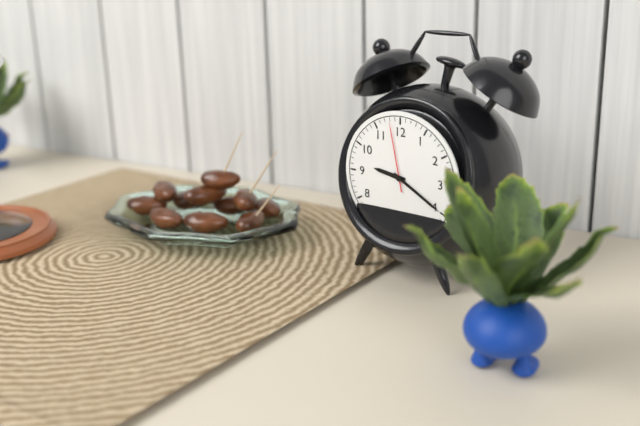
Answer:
9,20,58
